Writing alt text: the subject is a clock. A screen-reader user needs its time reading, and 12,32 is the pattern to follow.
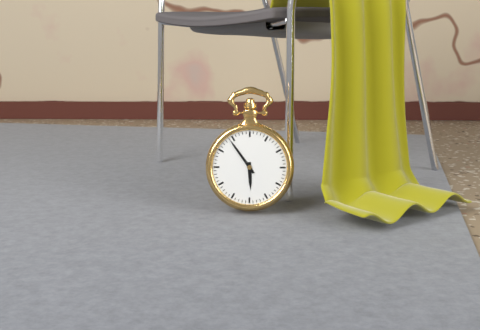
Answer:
5,54
